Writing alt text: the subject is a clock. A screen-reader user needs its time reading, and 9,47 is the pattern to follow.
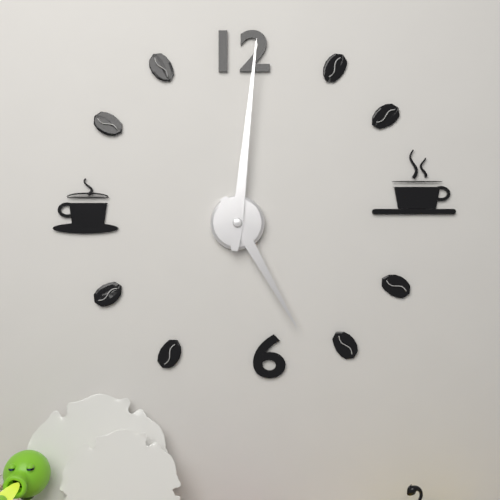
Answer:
5,01
